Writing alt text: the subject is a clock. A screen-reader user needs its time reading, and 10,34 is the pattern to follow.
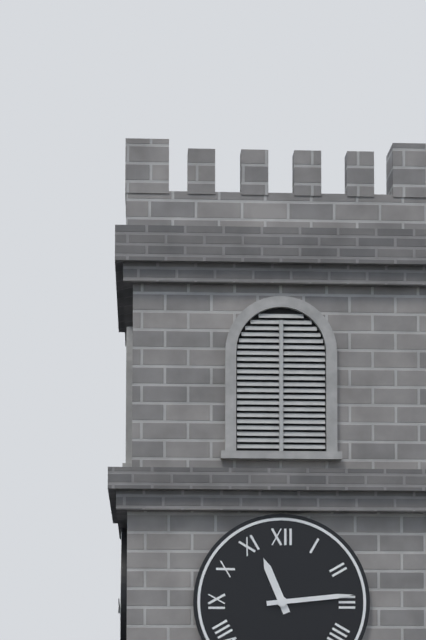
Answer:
11,14
